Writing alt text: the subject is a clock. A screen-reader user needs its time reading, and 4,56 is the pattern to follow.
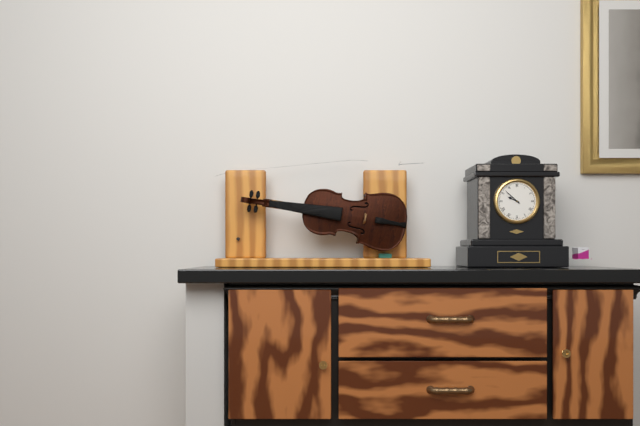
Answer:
9,52
